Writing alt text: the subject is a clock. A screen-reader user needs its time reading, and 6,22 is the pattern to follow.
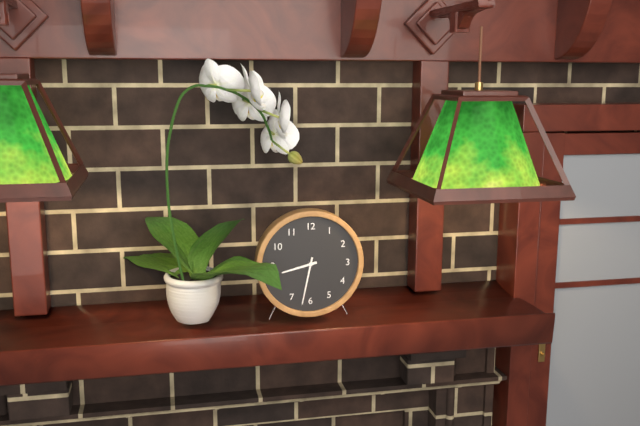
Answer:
8,32
